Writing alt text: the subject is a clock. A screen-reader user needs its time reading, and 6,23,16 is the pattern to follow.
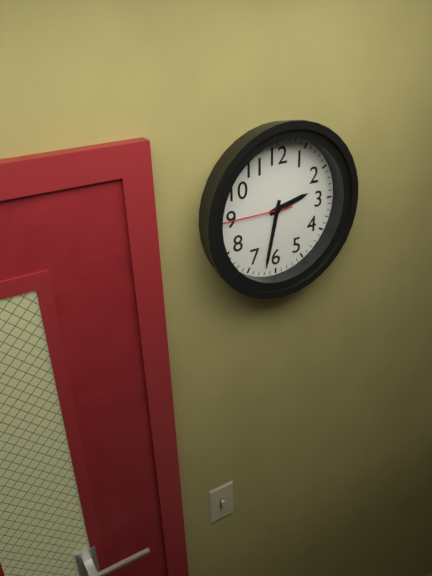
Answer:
2,32,45
